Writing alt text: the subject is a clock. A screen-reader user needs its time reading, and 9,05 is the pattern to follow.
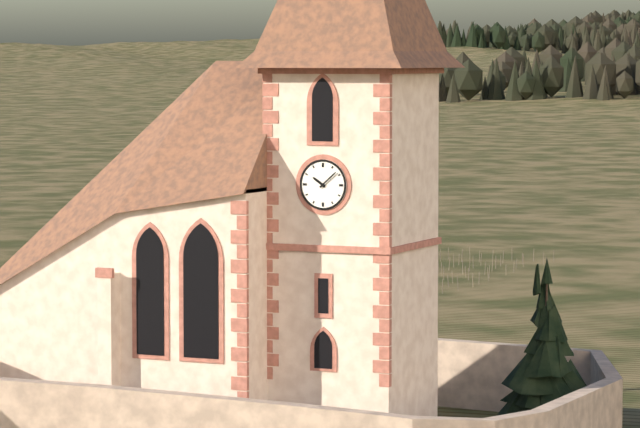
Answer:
10,08
